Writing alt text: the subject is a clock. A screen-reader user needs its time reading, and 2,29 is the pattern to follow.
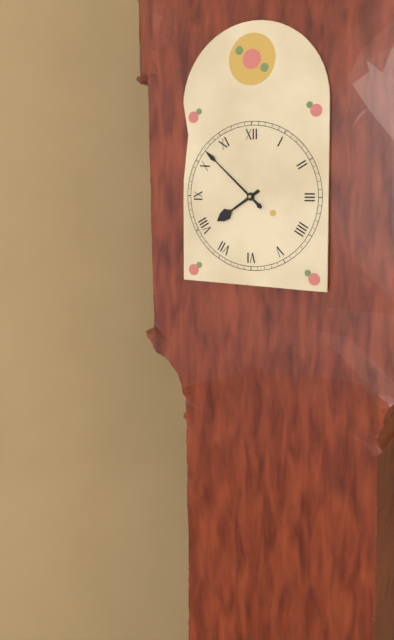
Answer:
7,52
